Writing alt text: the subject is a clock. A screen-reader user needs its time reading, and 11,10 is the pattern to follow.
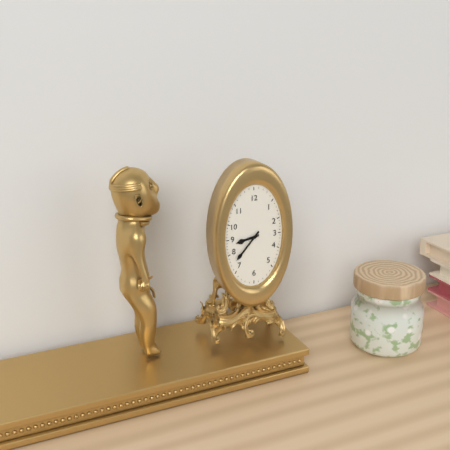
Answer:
8,37
